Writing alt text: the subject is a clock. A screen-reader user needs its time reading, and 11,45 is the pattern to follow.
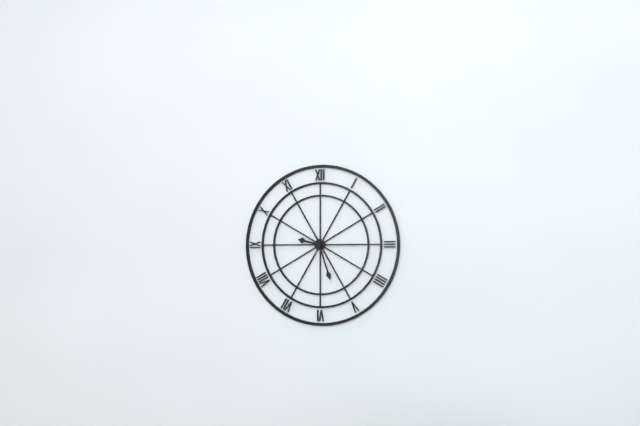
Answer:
9,27
